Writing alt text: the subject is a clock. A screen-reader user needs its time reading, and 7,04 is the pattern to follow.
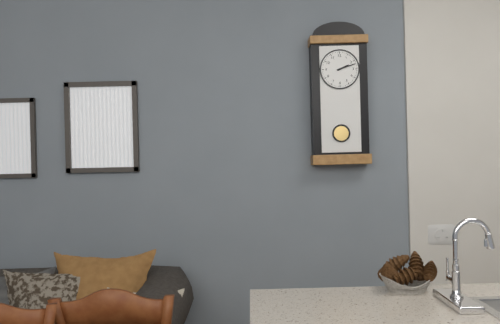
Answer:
2,12
